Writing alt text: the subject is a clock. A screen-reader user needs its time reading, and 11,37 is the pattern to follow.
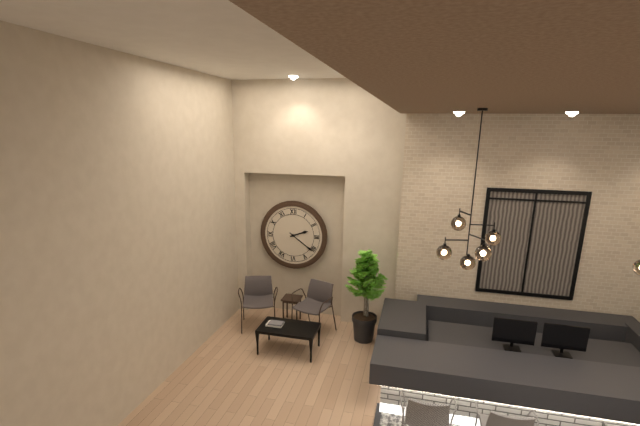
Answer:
2,21
